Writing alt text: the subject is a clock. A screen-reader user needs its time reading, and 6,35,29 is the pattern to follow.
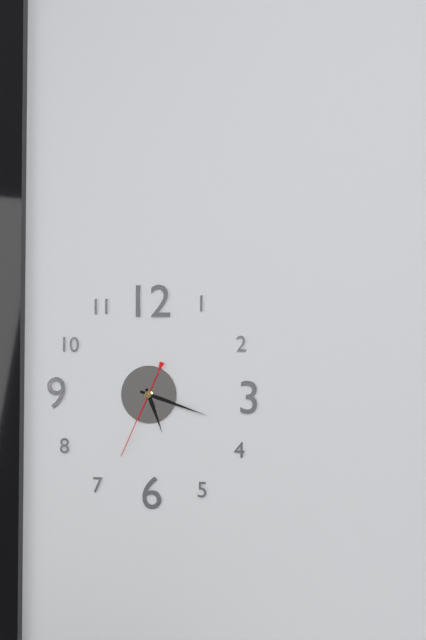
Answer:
5,18,34
